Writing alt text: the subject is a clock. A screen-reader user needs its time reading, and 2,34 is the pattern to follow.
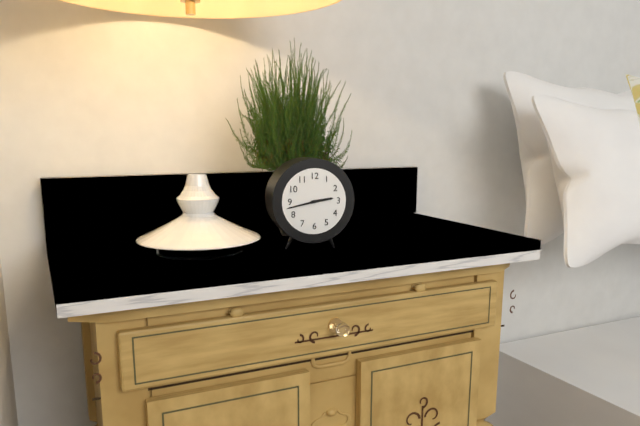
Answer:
2,43
